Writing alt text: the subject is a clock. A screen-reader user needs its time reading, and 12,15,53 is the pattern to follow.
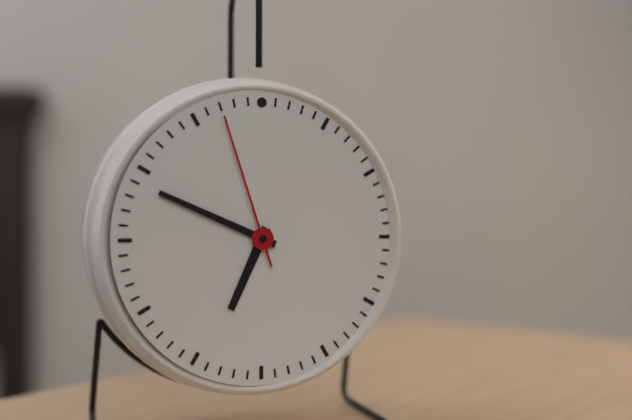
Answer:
6,49,57
